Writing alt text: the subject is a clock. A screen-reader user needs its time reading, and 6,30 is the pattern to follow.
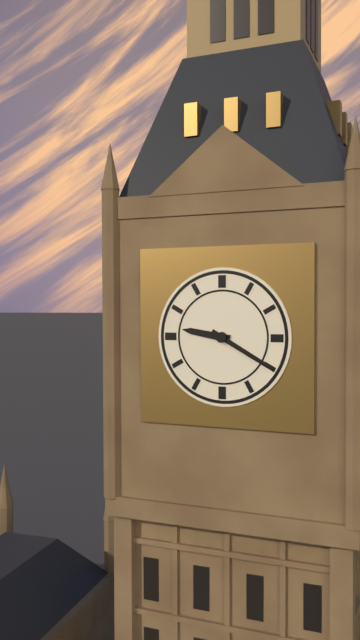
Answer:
9,20
